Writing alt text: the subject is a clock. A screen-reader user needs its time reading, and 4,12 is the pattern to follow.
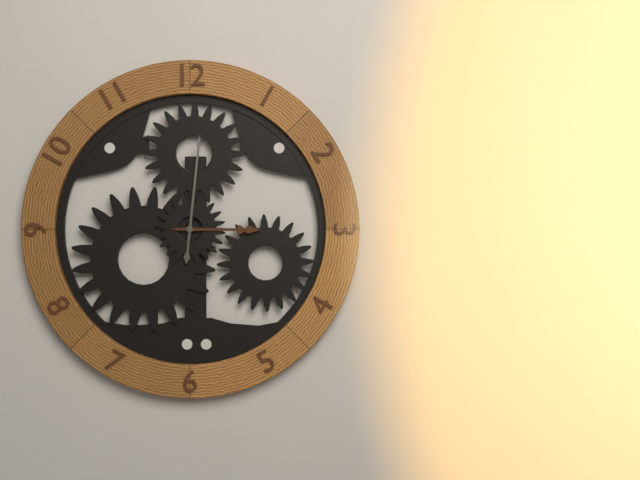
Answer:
3,01
